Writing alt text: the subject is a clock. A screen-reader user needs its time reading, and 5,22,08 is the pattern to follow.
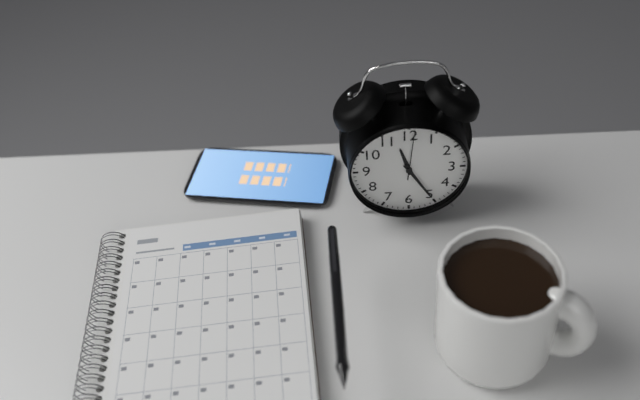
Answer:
11,25,01
